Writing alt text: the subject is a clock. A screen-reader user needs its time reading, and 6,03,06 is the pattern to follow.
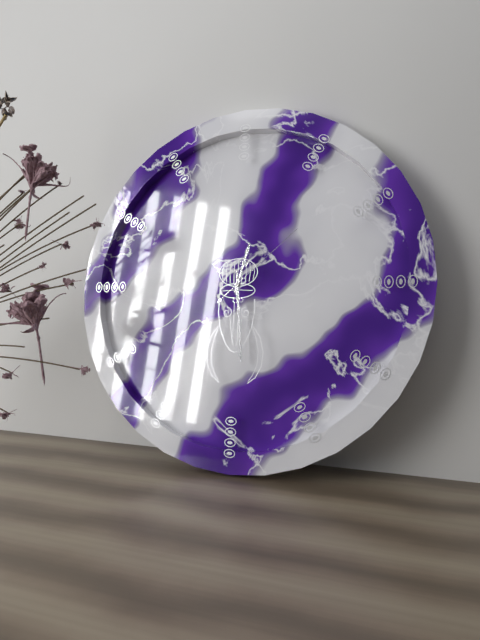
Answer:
12,29,08
